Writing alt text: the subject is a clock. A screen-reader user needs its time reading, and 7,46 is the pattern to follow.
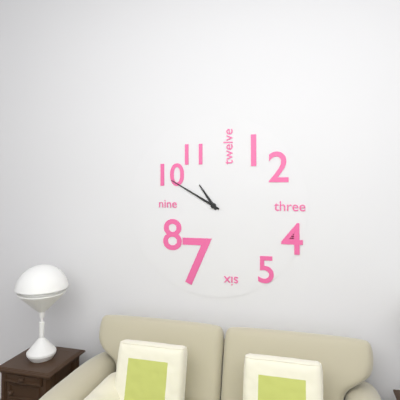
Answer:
10,50
